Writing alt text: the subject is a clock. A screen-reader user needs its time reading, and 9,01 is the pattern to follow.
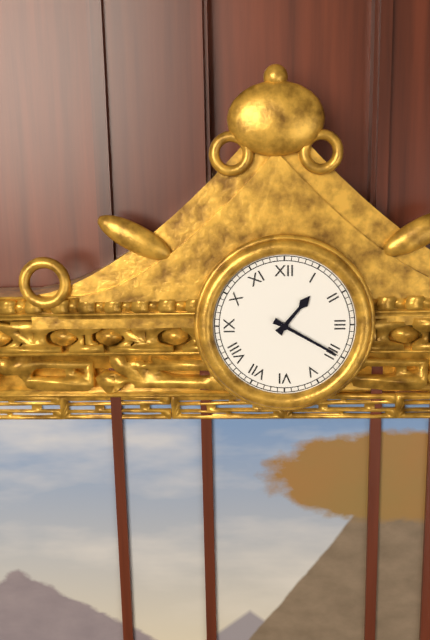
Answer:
1,20
